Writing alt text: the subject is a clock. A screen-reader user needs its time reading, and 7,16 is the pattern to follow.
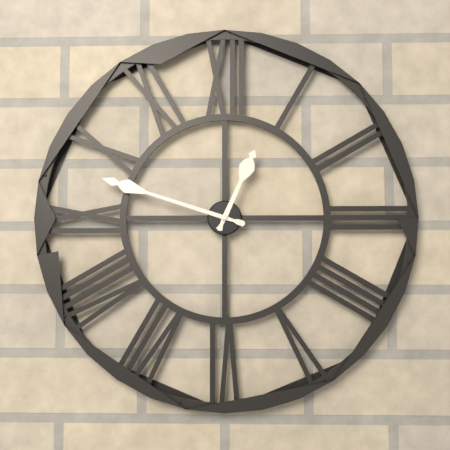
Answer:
12,48
